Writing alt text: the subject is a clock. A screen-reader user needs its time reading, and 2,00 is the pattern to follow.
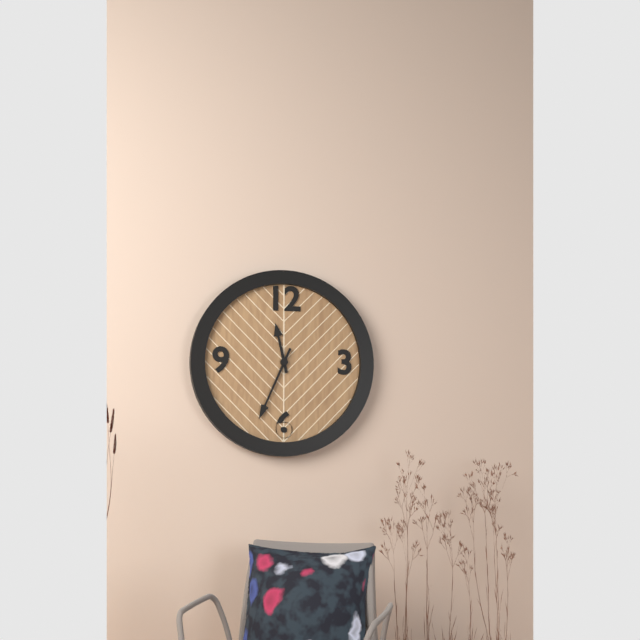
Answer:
11,34
